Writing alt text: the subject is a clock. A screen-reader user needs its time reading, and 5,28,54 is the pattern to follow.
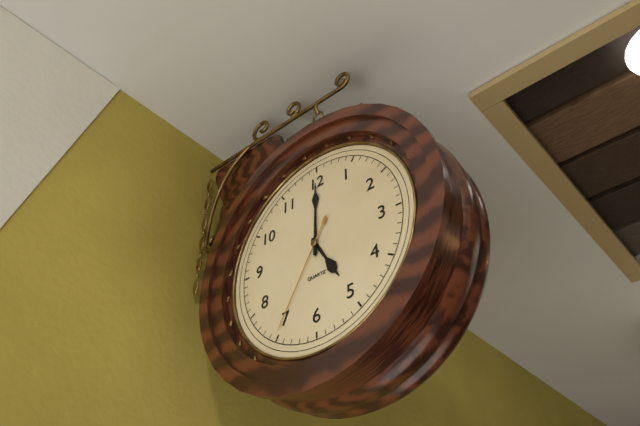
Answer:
5,00,35
